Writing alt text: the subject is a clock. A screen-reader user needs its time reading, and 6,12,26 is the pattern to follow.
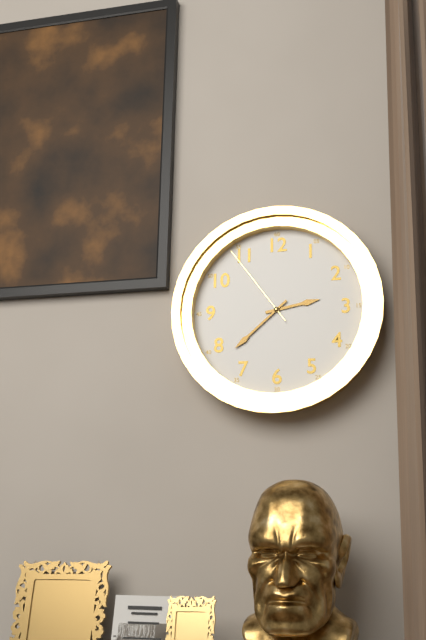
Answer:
2,38,54
